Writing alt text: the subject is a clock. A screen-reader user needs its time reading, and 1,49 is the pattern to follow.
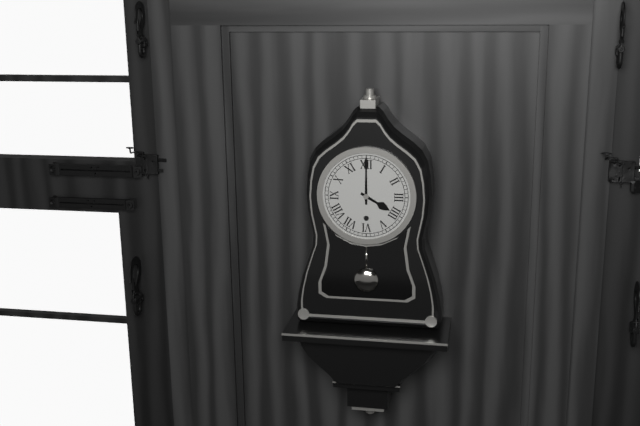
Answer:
4,00
